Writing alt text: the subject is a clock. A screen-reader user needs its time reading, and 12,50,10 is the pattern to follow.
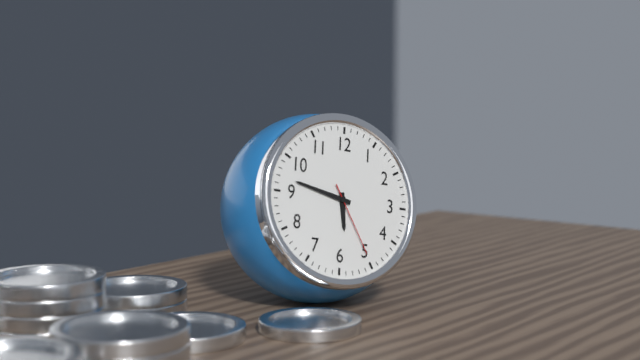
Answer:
5,47,25
